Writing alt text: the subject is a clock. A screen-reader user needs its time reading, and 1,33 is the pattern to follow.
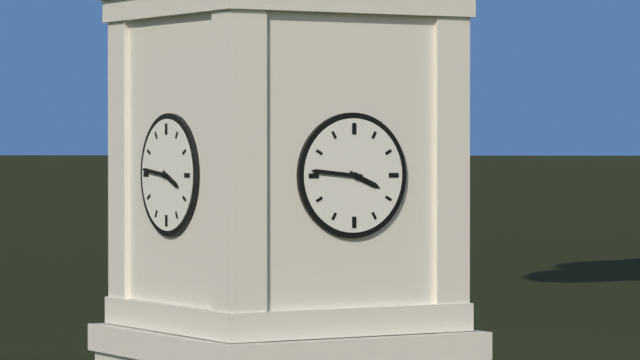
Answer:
3,46
